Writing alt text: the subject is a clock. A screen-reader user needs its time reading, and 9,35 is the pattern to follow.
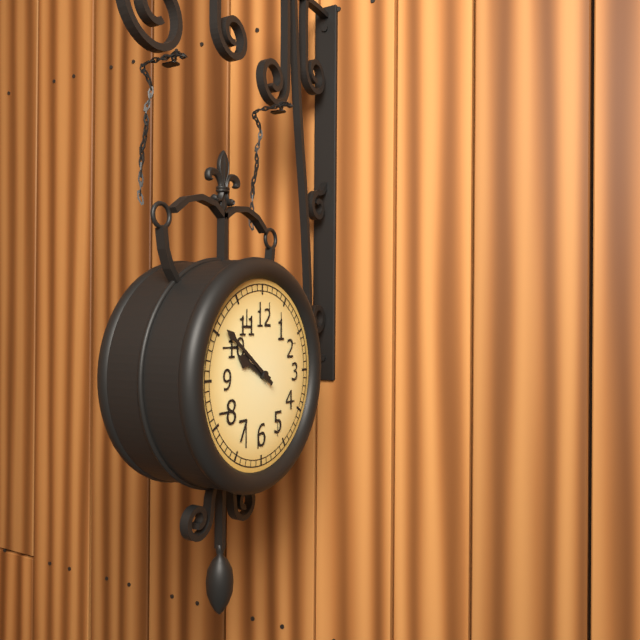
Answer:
9,51
